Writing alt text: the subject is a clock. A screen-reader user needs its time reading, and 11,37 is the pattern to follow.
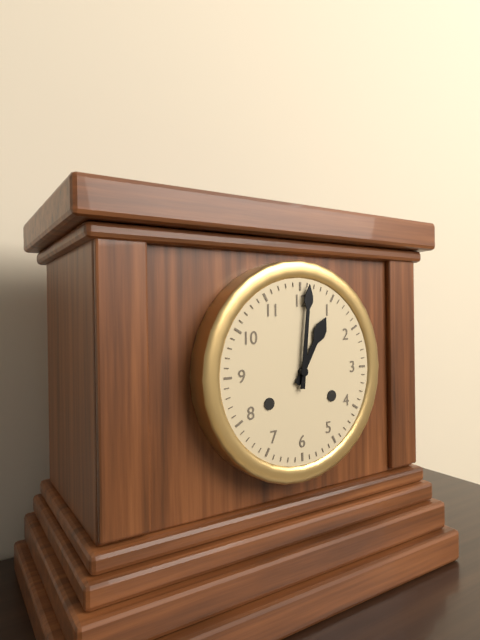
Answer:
1,01
